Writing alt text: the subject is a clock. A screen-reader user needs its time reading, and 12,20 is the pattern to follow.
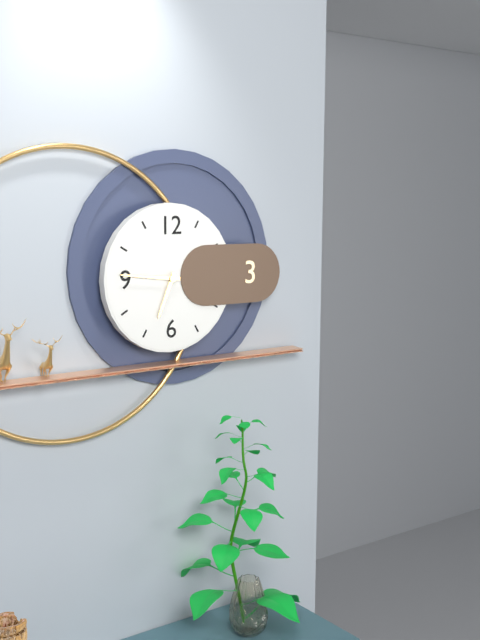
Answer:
6,46
